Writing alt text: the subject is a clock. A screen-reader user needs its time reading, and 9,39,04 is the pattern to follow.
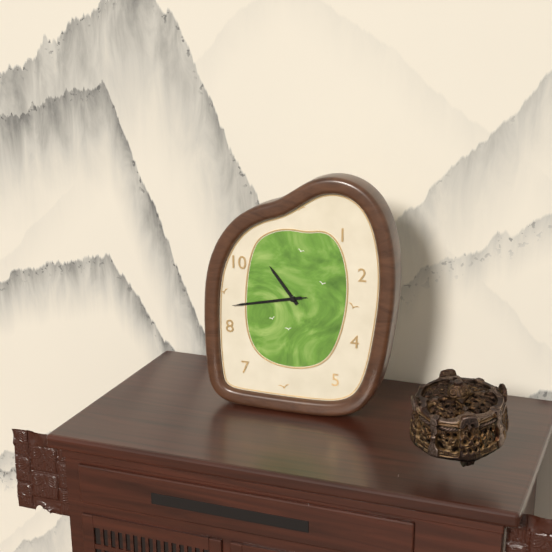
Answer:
10,43,43
